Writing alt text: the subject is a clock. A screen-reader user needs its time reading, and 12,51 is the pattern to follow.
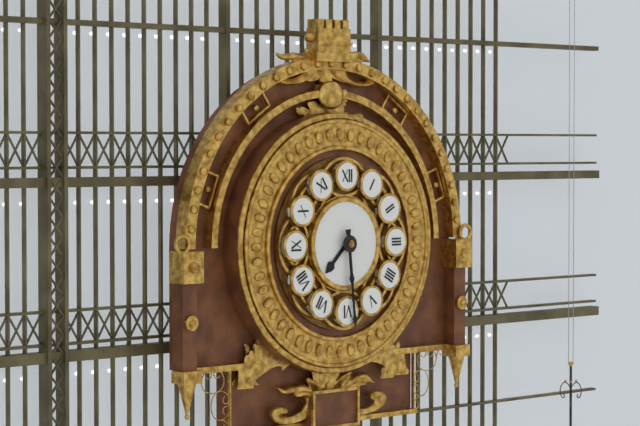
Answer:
7,29
